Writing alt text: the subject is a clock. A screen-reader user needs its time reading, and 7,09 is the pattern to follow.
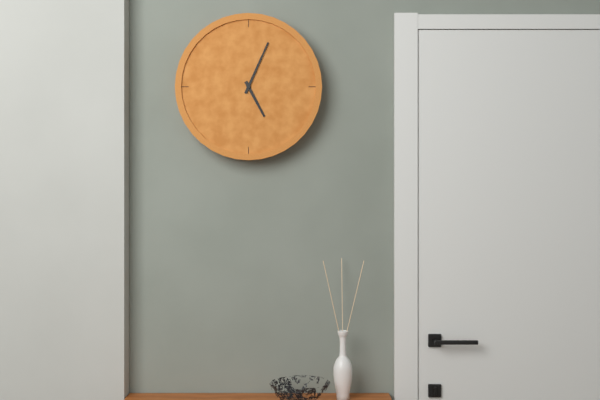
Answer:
5,04
